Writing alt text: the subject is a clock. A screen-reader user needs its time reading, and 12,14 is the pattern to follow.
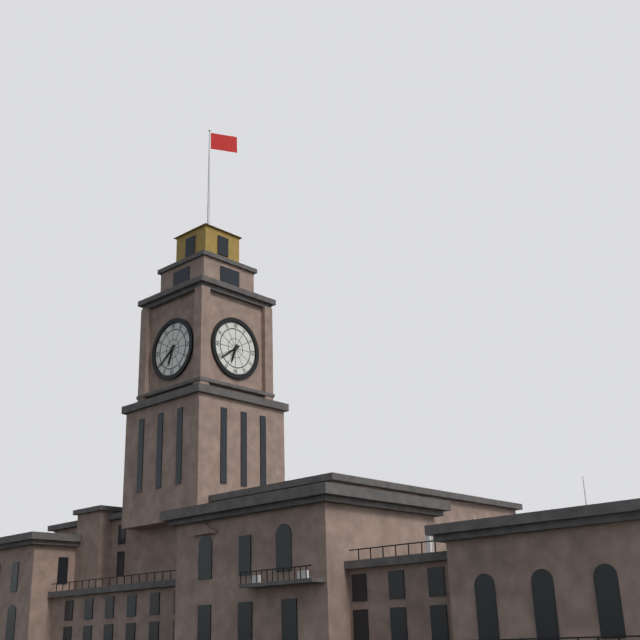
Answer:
6,39
